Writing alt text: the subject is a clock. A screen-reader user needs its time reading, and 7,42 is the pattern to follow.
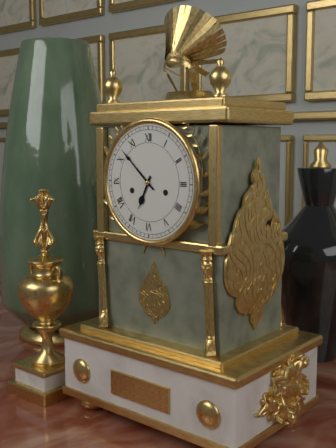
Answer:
6,52
